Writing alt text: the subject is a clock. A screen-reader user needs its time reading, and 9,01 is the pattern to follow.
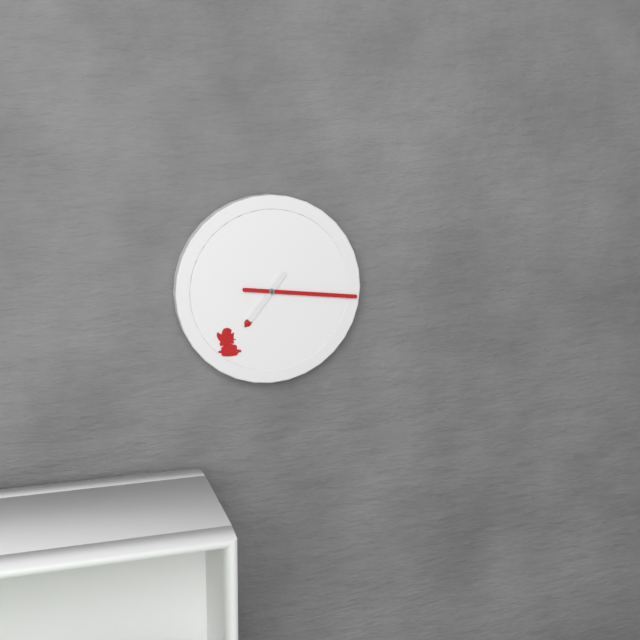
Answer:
7,16
